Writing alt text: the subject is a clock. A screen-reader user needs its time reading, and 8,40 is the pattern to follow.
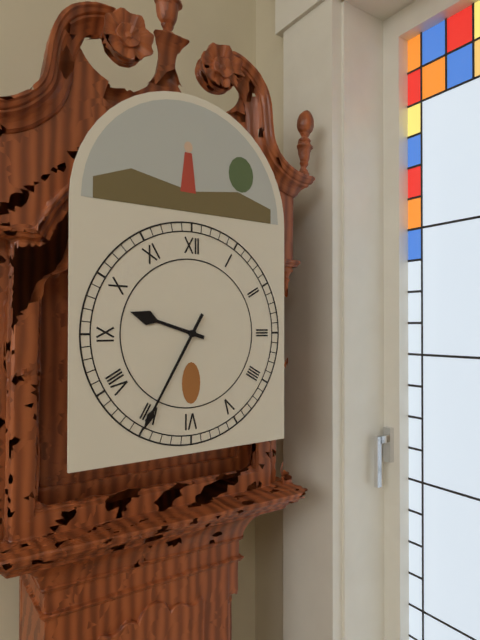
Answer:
9,35
